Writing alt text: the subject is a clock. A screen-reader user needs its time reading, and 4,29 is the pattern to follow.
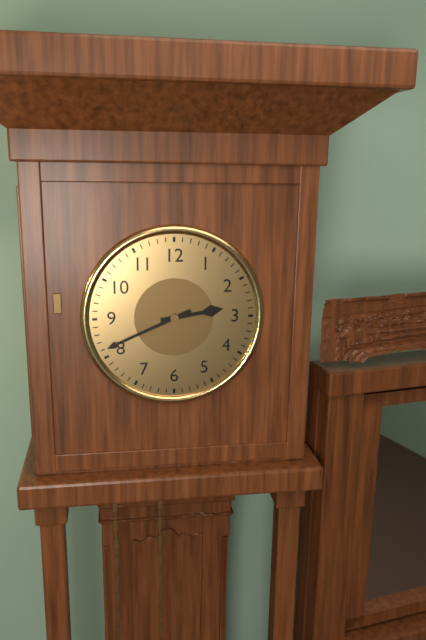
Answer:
2,41
